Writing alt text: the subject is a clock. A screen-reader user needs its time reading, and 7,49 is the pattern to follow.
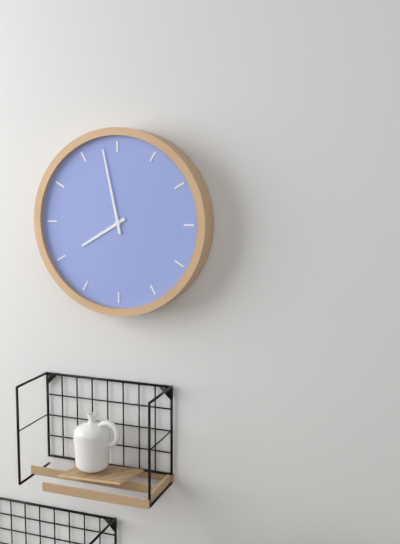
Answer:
7,58
